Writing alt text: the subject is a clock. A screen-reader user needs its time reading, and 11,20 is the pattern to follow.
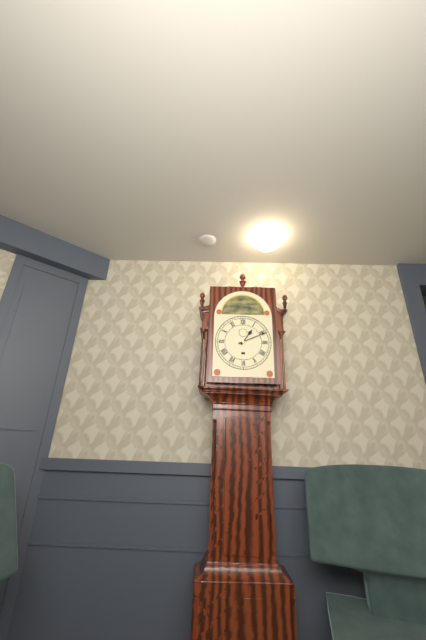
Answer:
1,11
